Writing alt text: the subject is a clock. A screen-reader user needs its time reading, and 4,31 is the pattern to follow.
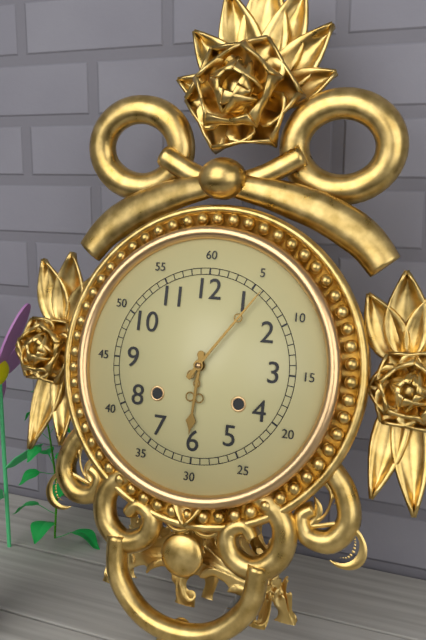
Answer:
6,06
